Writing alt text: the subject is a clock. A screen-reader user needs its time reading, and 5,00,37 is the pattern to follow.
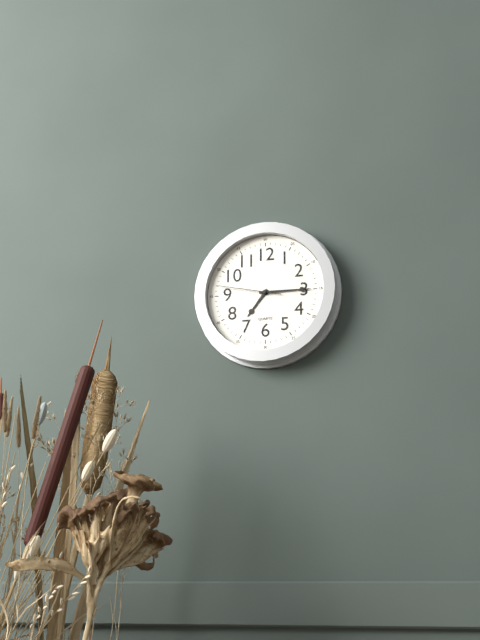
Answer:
7,15,47
